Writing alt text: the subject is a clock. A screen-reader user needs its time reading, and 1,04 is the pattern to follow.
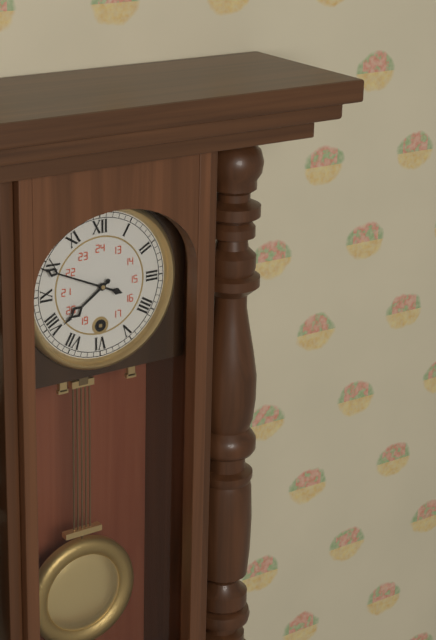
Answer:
7,49
